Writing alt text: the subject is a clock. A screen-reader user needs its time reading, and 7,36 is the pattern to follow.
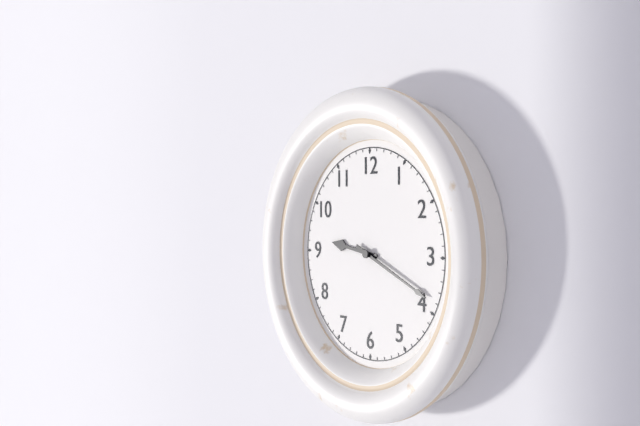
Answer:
9,19
